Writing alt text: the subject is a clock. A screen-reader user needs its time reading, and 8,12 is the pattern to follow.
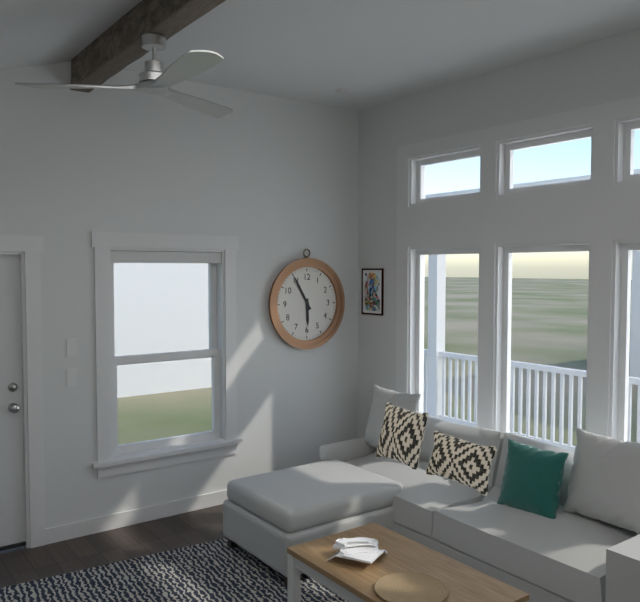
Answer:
5,55
